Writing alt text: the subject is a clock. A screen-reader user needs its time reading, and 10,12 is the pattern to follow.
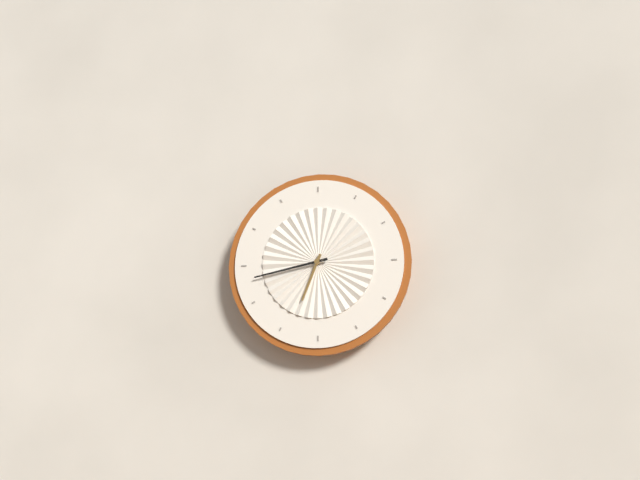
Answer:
6,43
